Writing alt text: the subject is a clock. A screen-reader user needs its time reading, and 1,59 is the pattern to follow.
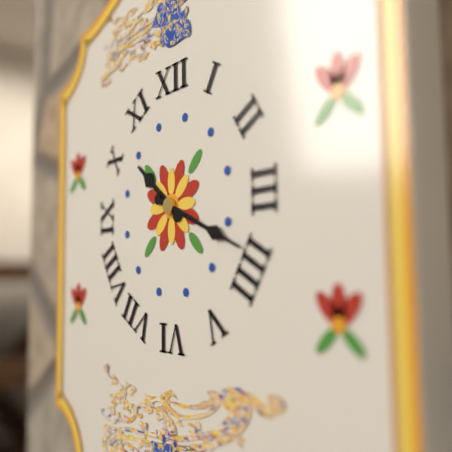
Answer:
10,19
